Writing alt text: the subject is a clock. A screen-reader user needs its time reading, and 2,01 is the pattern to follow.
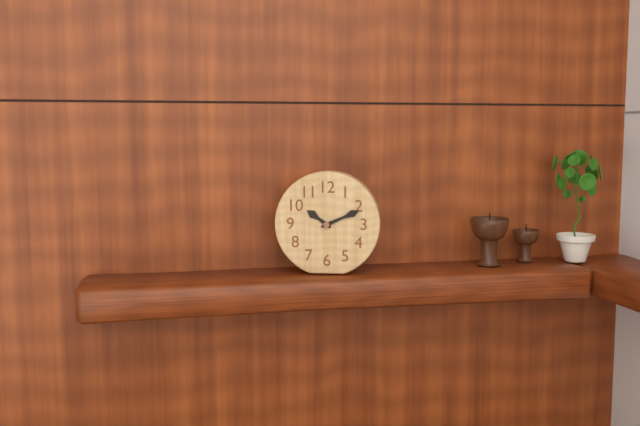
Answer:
10,11
